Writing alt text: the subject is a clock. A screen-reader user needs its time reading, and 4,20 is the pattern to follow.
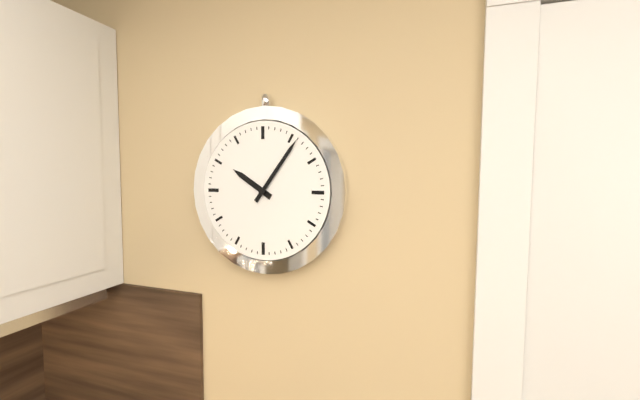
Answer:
10,06
